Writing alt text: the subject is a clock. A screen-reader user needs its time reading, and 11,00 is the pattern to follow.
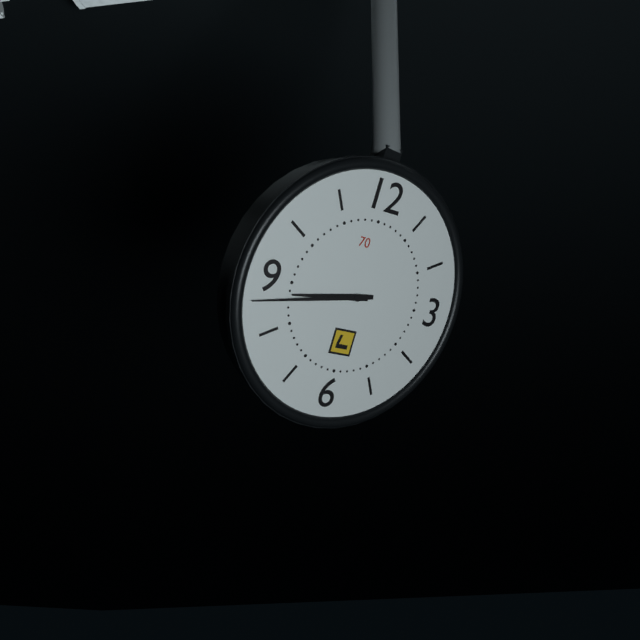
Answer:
8,43
